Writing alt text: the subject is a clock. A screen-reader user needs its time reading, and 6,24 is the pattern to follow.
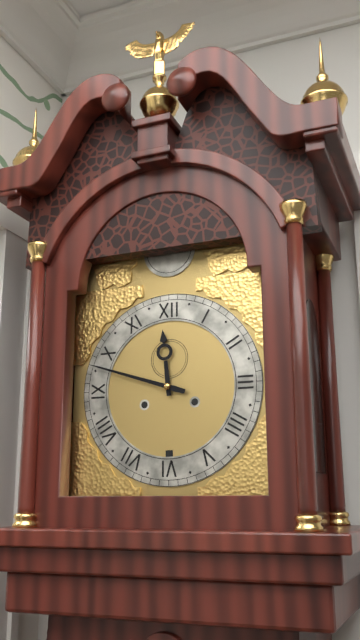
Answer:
11,48
